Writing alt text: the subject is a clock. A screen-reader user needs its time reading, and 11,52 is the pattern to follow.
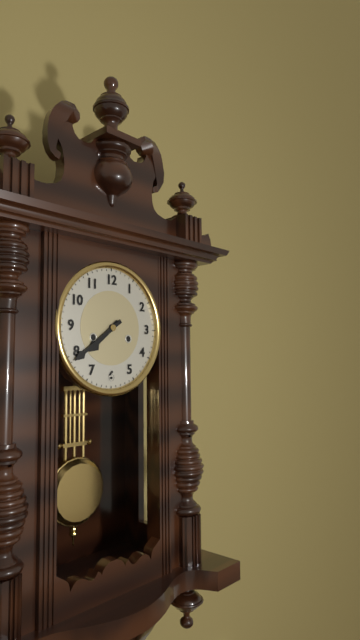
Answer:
7,39
